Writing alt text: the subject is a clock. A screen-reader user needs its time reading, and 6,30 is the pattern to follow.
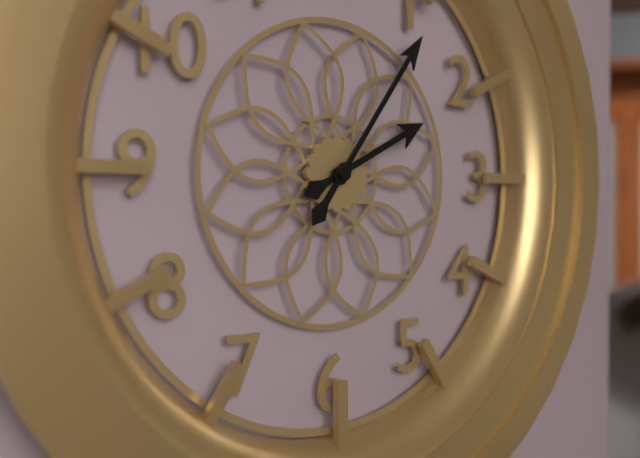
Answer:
2,06
